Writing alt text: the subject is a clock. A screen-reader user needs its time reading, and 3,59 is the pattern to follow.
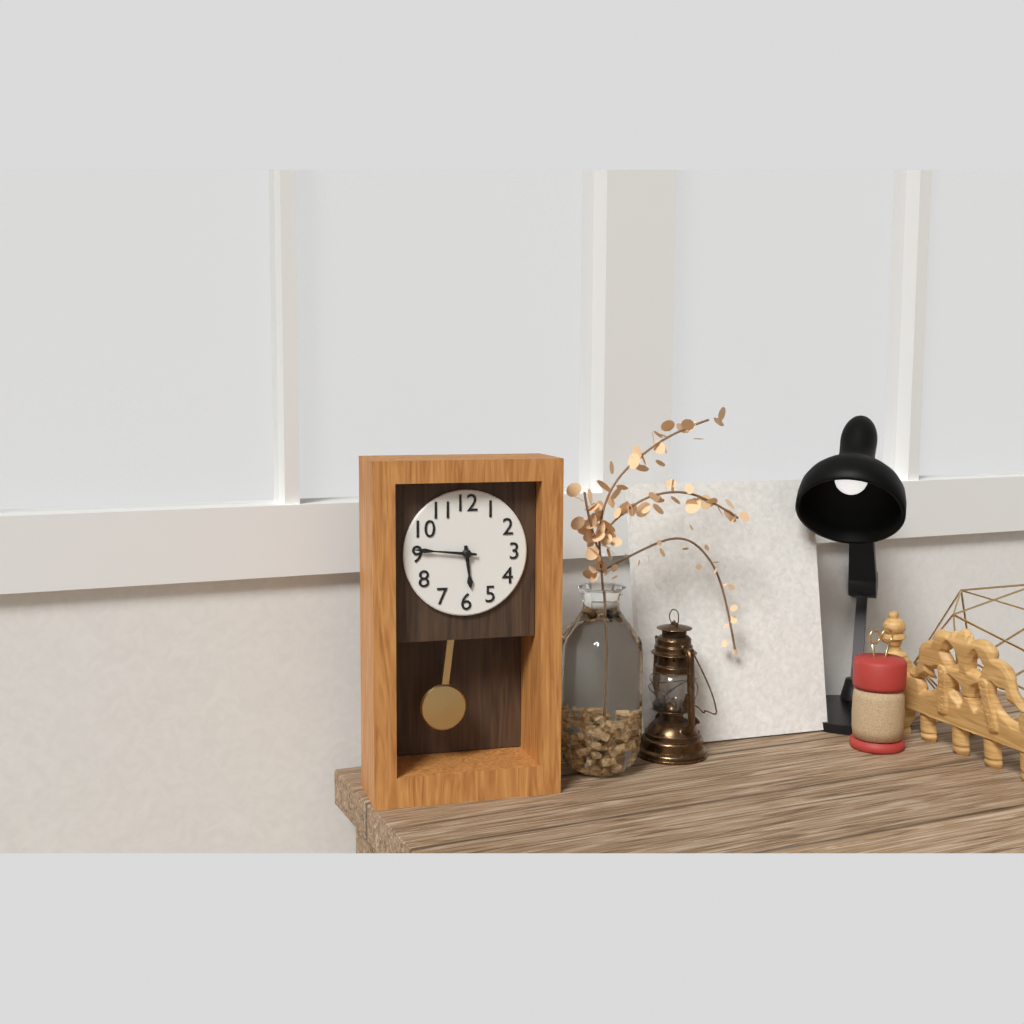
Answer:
5,46
